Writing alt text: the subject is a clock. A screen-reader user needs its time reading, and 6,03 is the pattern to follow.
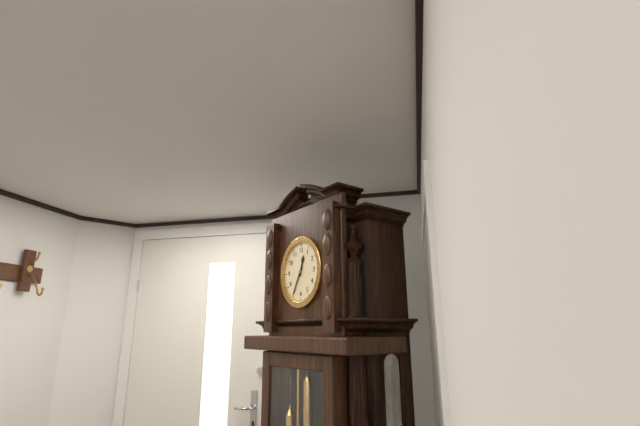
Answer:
12,35
